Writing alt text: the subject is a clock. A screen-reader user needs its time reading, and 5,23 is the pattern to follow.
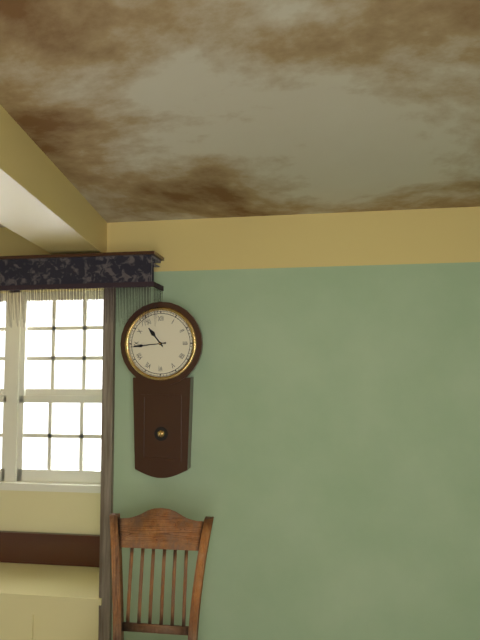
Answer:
10,44
